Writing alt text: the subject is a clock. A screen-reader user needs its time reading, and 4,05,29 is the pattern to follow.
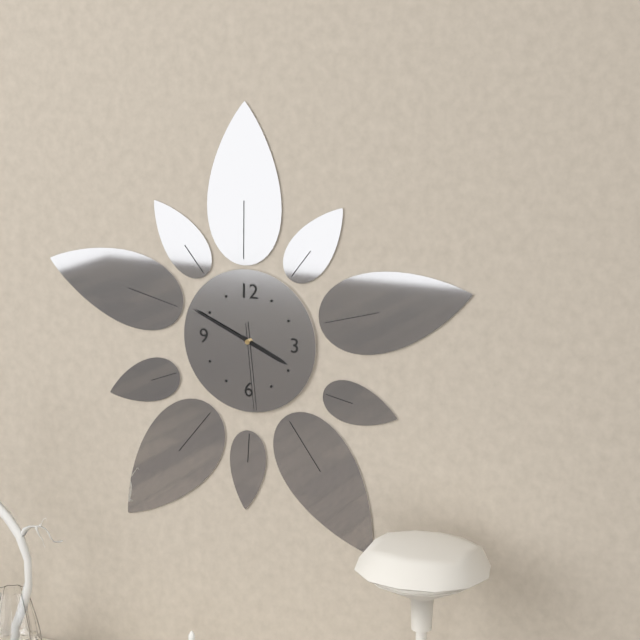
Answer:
3,49,29
